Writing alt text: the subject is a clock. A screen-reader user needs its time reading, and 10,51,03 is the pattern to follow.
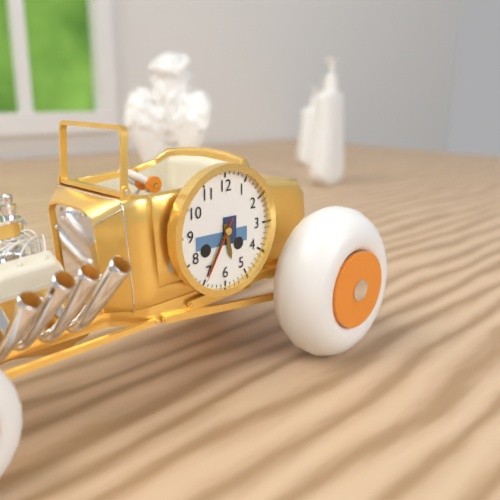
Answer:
5,35,35
